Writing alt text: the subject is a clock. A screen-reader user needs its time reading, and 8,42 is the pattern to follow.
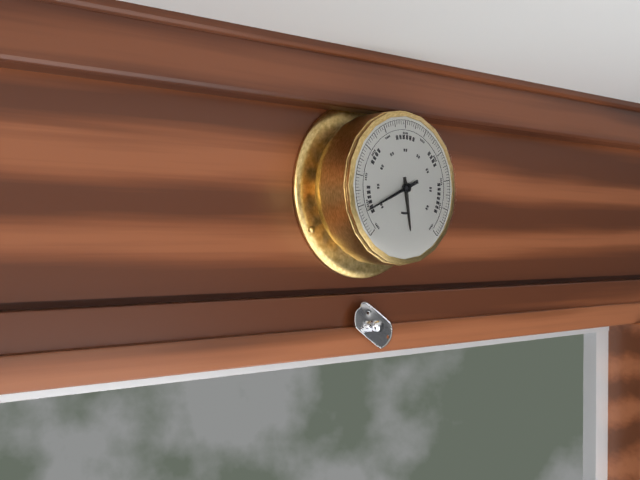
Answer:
5,41
